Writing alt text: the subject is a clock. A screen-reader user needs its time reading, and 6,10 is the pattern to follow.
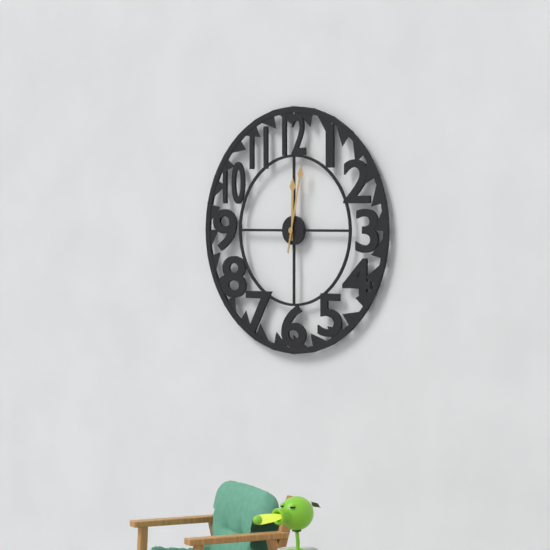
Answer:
12,02
